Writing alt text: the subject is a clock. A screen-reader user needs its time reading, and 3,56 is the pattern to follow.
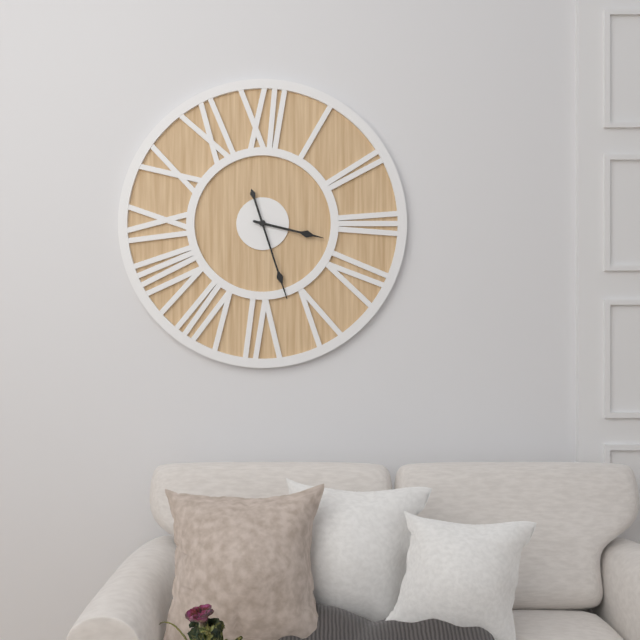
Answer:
3,27
